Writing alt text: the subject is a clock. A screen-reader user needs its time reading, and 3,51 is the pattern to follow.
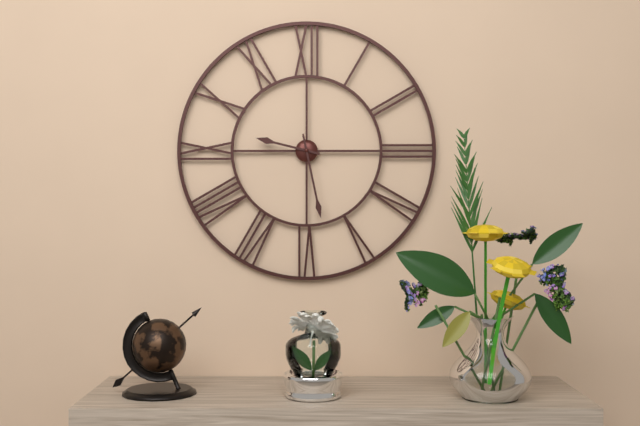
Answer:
9,28
